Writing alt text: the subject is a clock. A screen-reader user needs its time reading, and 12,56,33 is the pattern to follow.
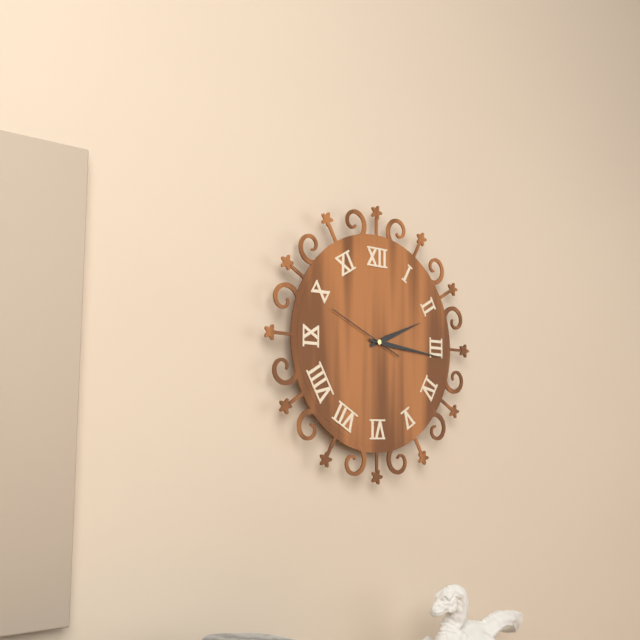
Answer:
2,16,49
